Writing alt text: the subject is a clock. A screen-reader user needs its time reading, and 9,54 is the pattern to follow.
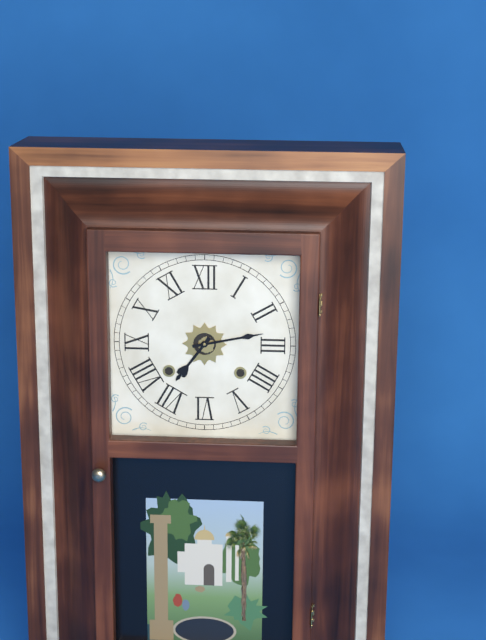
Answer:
7,13
